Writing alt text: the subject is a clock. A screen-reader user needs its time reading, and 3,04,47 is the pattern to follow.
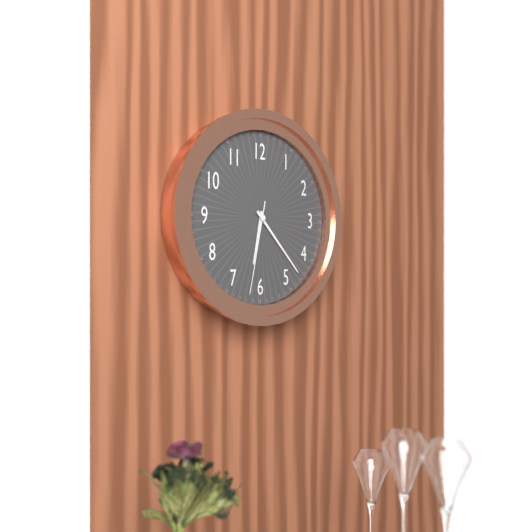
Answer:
6,23,32
